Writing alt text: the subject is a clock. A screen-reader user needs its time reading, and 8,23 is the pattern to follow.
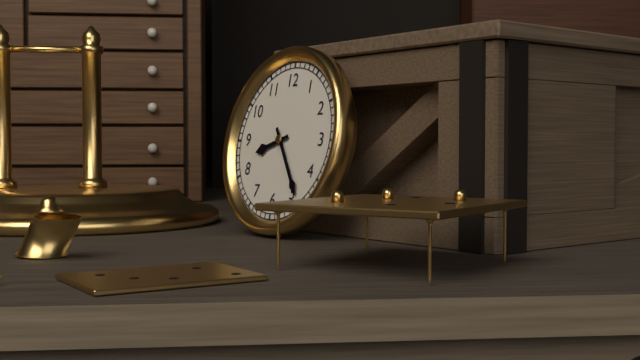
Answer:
8,24
